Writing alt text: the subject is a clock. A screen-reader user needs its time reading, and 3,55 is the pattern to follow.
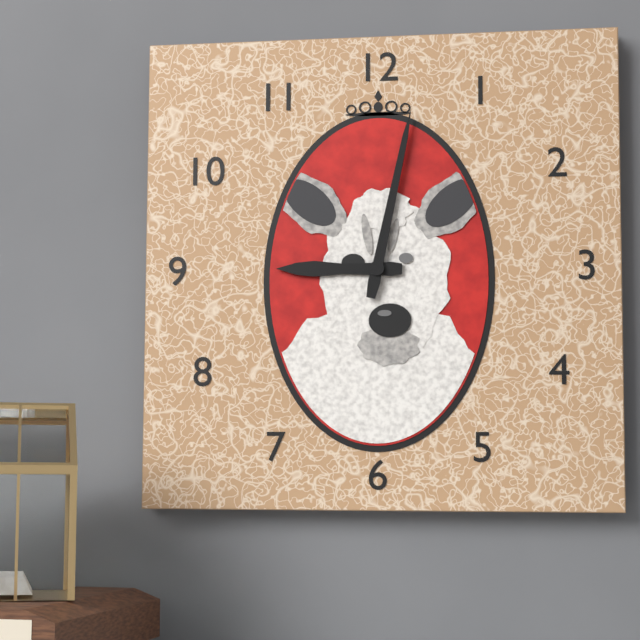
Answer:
9,02
